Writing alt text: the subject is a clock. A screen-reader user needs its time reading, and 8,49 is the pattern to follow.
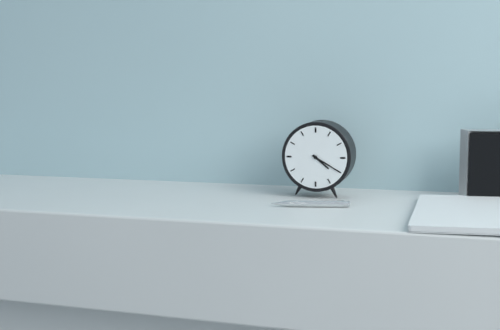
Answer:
4,20
